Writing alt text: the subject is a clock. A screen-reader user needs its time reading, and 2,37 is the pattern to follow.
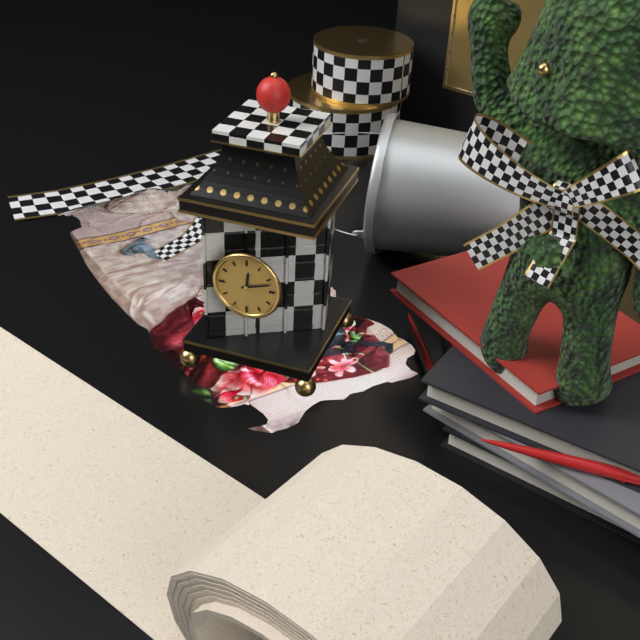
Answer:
12,12
